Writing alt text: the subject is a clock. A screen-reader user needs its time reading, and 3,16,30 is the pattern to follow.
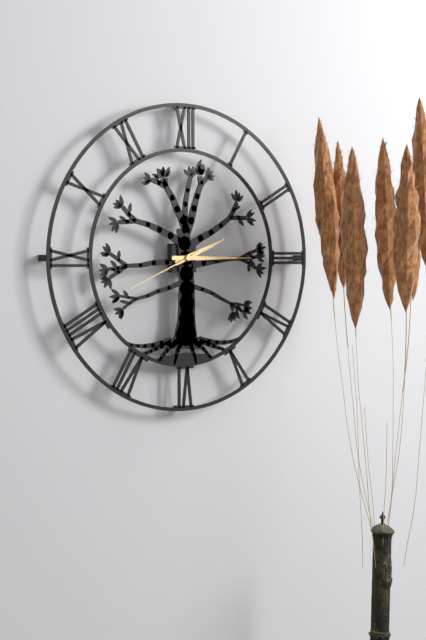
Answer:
2,15,41
